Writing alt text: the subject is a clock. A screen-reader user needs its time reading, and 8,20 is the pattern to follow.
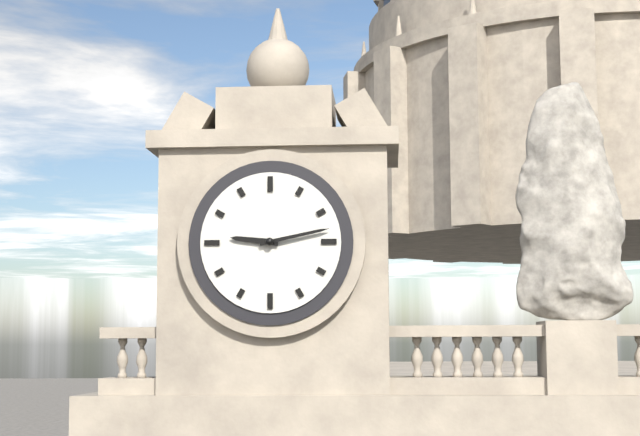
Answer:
9,13
